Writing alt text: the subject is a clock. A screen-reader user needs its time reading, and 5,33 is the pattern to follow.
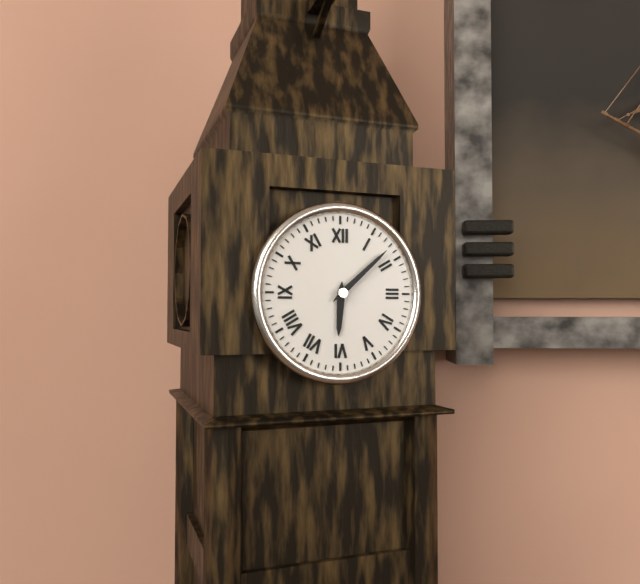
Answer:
6,08
